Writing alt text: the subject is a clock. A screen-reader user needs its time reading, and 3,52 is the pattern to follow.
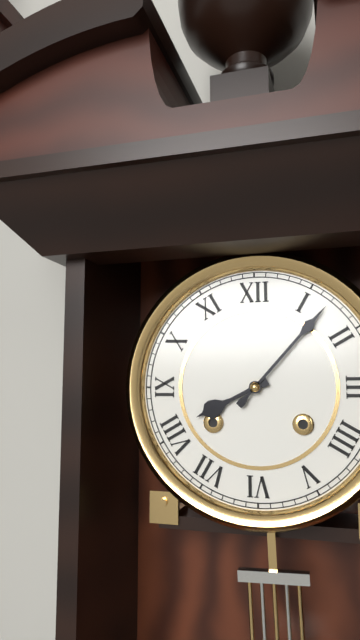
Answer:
8,07
